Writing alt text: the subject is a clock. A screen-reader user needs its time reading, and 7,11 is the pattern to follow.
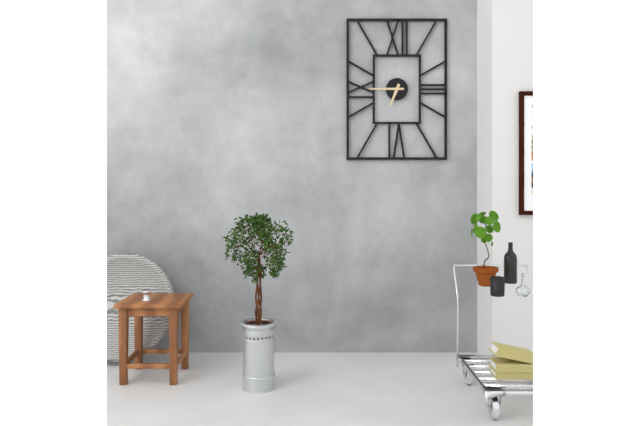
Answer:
6,45
